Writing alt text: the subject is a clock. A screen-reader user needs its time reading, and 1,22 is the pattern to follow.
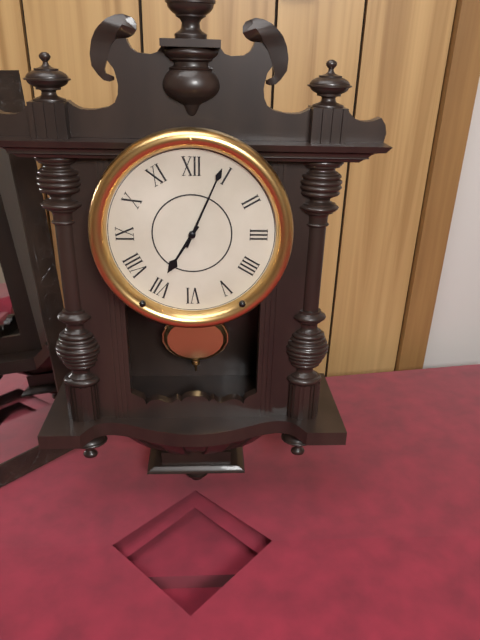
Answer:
7,04
